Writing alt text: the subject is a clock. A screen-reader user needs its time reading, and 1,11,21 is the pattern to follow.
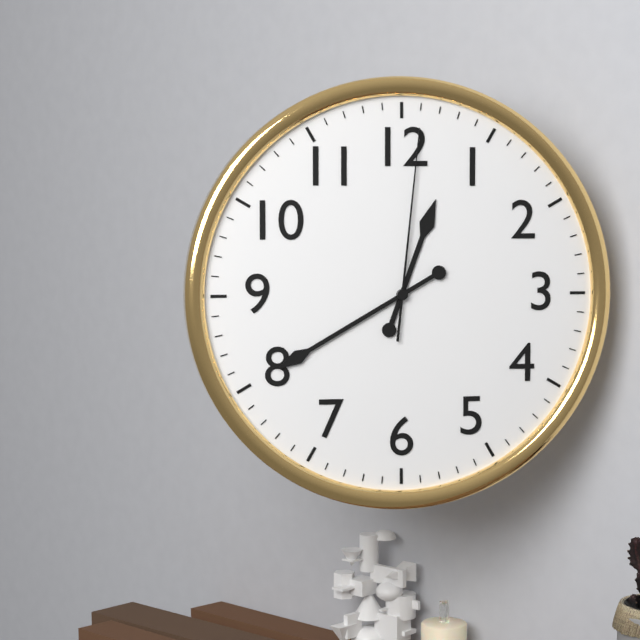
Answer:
12,40,01
